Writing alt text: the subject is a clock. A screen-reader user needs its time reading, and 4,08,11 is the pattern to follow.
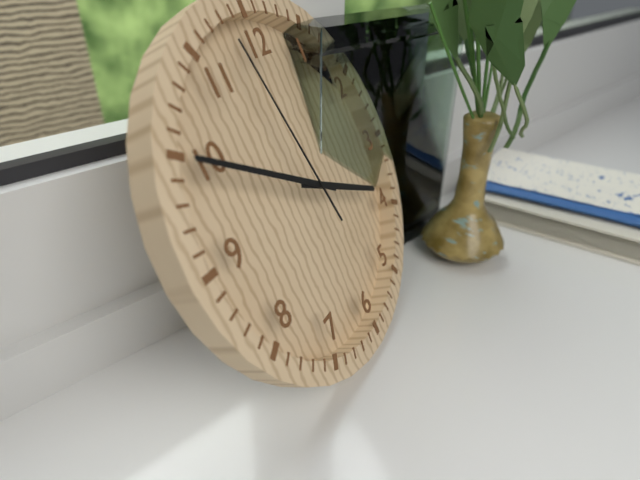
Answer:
3,50,58
